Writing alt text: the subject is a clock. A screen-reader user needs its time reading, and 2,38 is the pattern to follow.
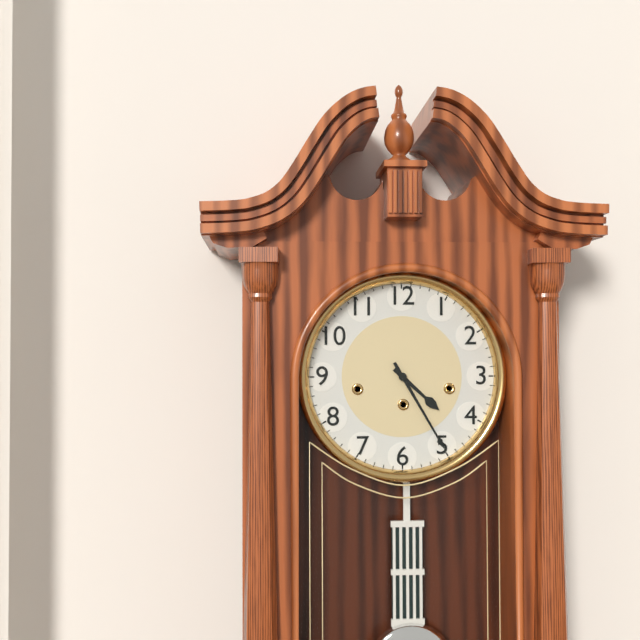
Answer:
4,25
